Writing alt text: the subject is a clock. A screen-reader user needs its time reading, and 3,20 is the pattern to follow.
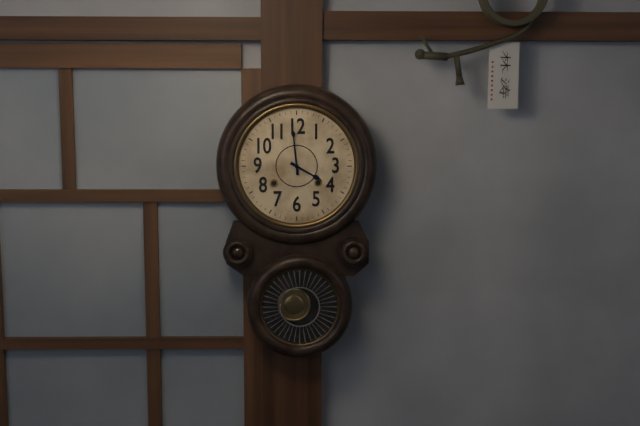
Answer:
3,59
